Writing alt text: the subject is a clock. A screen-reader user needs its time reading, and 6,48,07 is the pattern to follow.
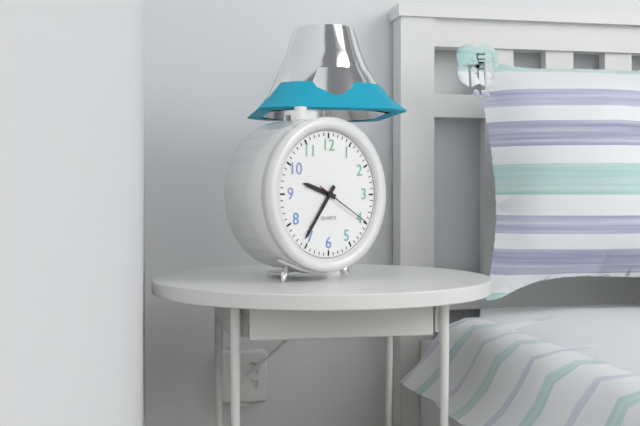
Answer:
9,36,20
